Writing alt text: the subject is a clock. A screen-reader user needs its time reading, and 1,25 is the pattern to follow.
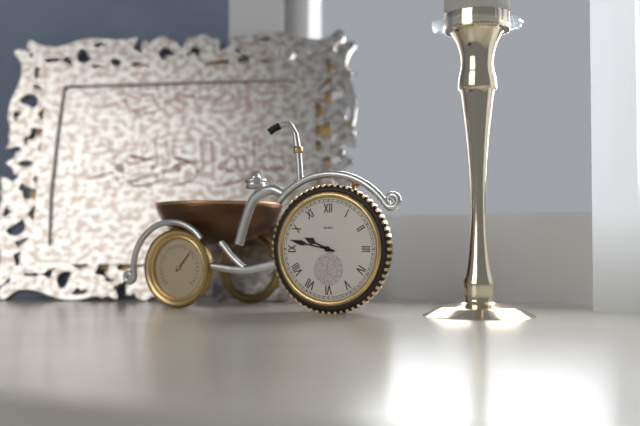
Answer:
9,47
